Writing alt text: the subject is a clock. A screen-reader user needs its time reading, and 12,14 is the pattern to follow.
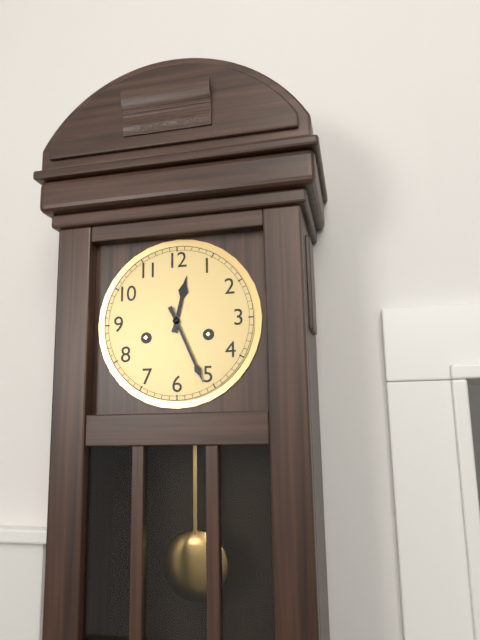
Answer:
12,26
